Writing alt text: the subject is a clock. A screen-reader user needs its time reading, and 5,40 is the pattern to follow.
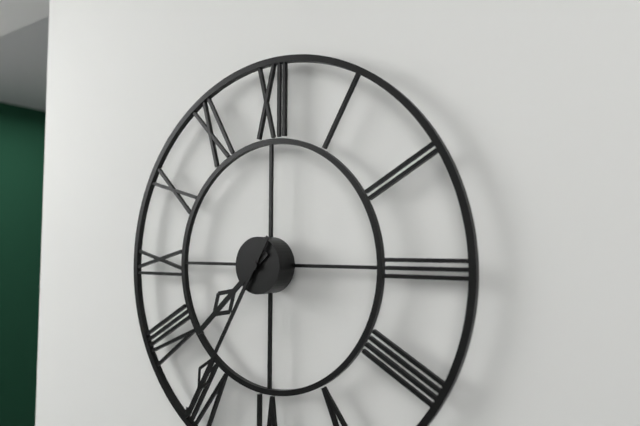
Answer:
7,35
